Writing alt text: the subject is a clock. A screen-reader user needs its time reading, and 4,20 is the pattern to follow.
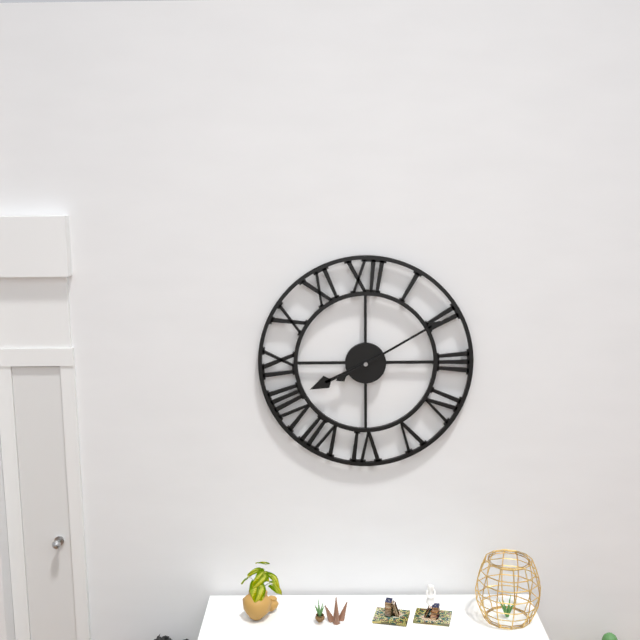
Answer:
8,10
